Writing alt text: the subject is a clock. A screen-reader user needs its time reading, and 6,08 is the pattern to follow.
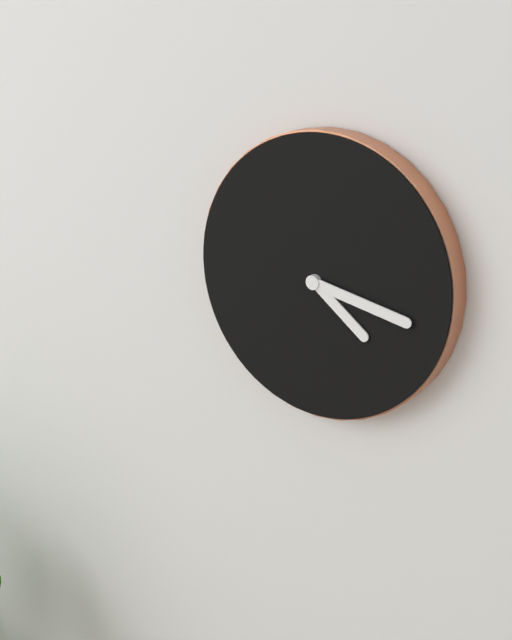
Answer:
4,17
